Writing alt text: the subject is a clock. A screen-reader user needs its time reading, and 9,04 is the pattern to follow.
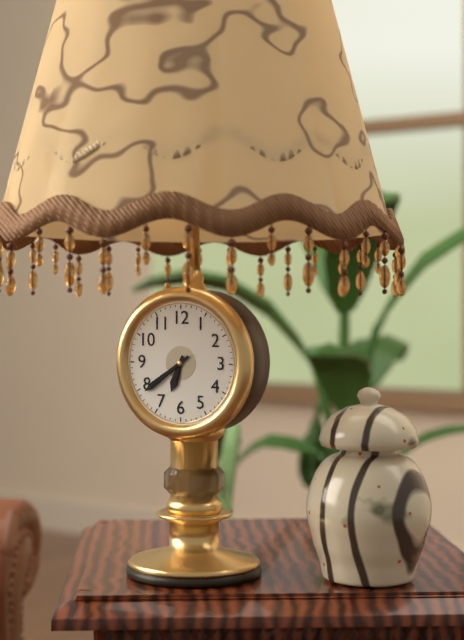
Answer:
6,39
